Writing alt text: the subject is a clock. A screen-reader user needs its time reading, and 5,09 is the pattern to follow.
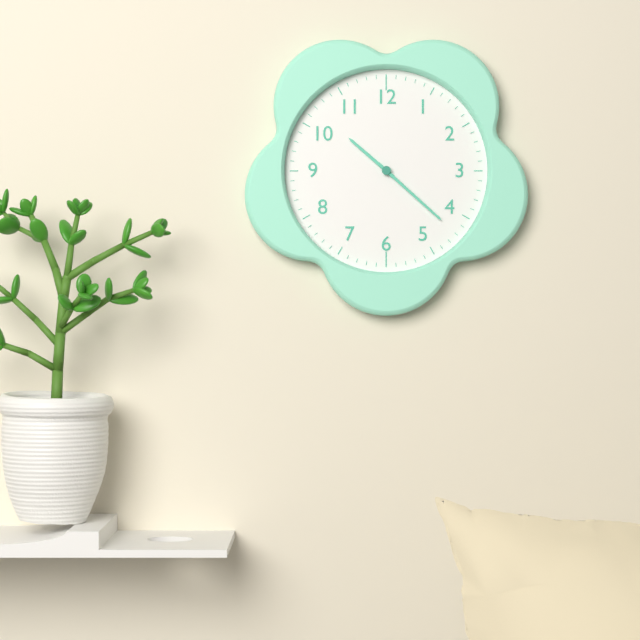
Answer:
10,22
